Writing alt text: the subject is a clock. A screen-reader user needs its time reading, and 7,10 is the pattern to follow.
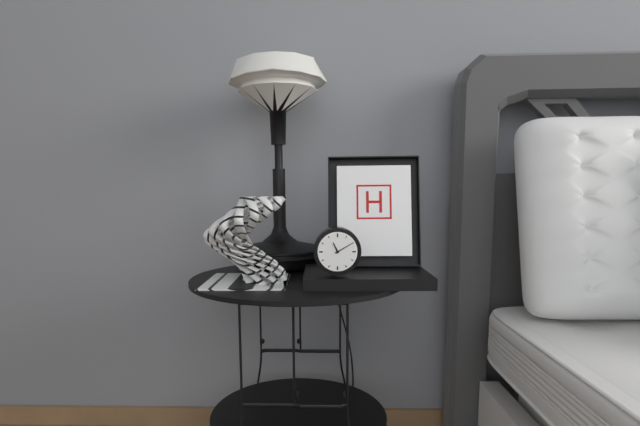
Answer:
11,10
